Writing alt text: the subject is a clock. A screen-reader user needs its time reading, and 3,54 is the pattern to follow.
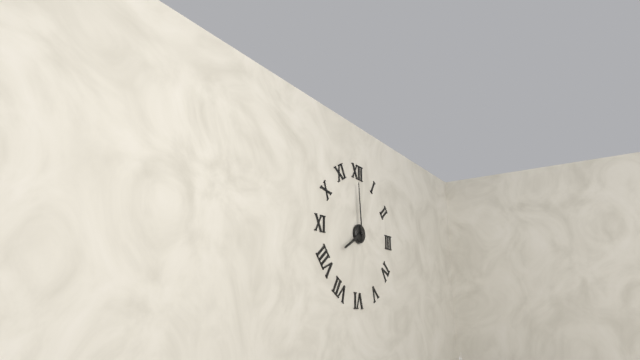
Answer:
7,59
